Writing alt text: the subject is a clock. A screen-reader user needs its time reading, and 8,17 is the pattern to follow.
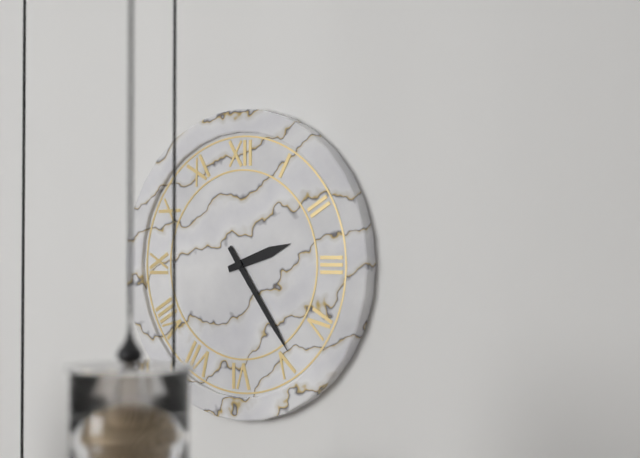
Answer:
2,24
